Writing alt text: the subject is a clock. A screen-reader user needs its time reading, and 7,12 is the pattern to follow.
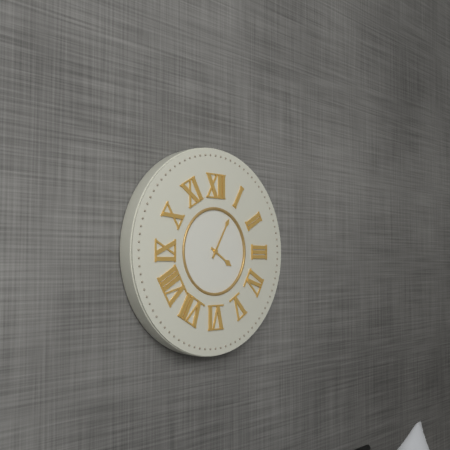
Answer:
4,05
